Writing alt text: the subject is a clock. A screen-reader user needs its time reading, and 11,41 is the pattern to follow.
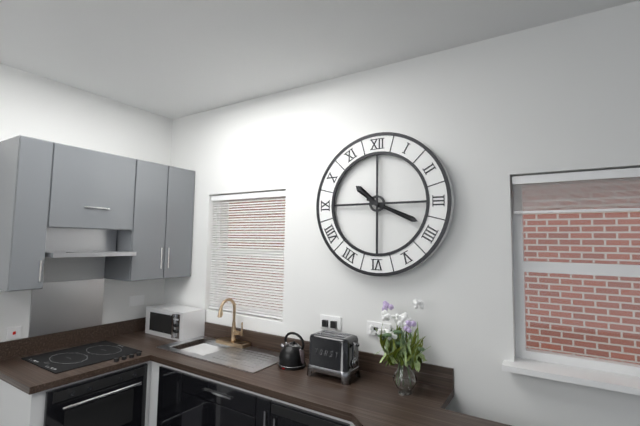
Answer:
10,19
